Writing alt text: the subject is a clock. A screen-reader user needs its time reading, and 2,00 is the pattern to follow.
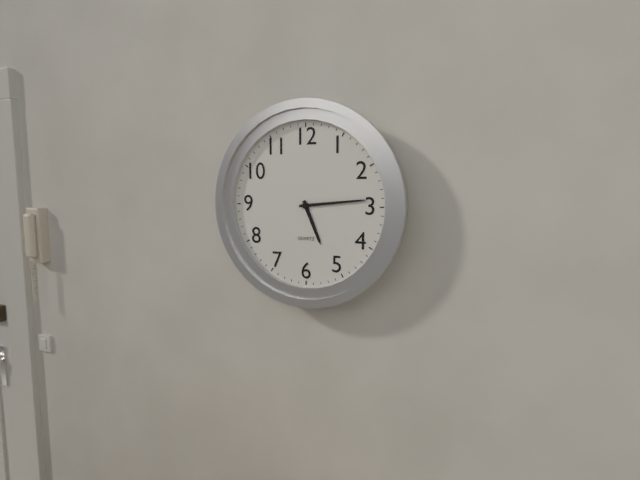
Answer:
5,14
